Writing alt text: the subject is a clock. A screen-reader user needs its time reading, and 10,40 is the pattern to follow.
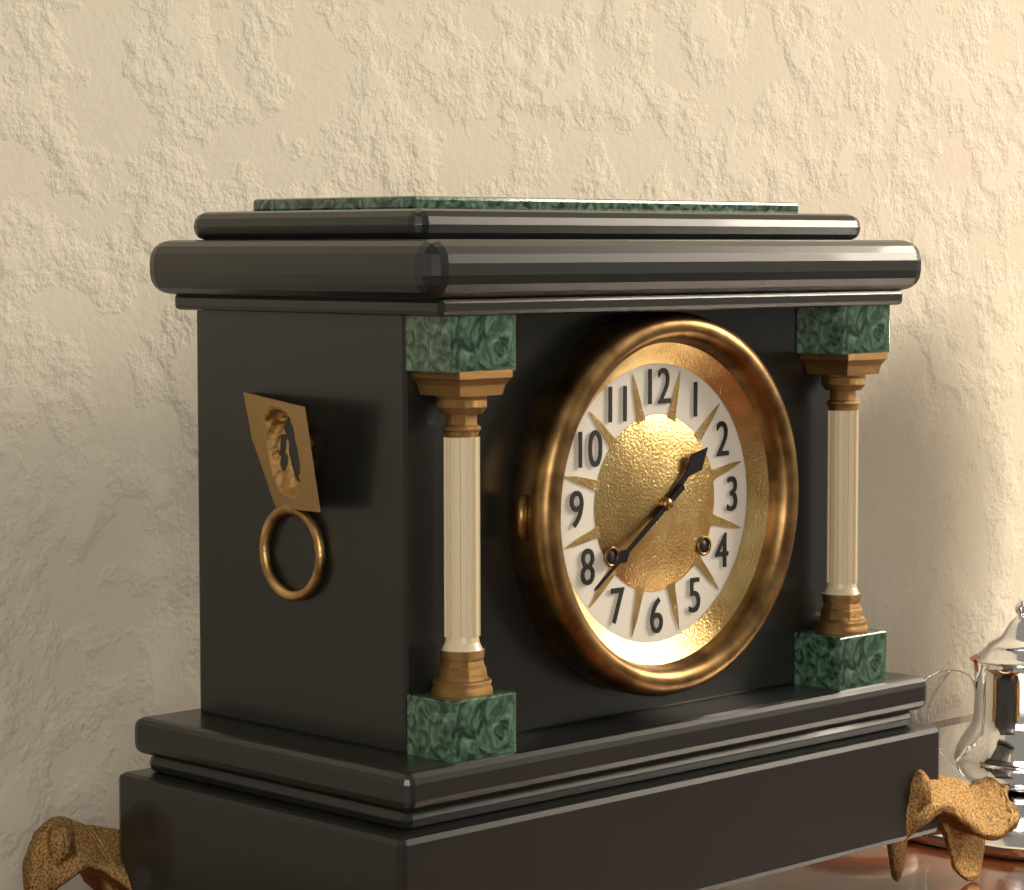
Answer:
1,39
